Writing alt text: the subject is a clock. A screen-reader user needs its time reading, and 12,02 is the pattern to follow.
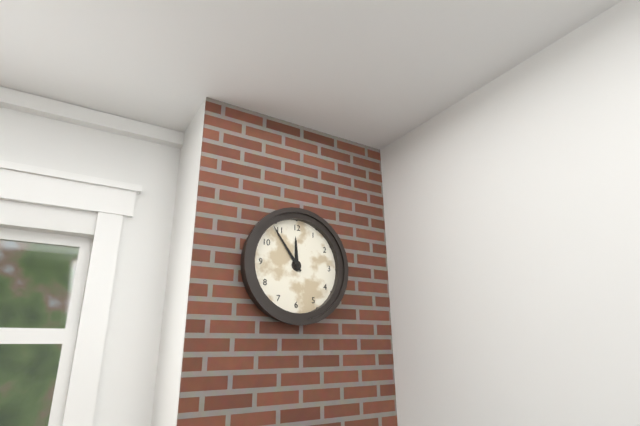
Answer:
11,54
